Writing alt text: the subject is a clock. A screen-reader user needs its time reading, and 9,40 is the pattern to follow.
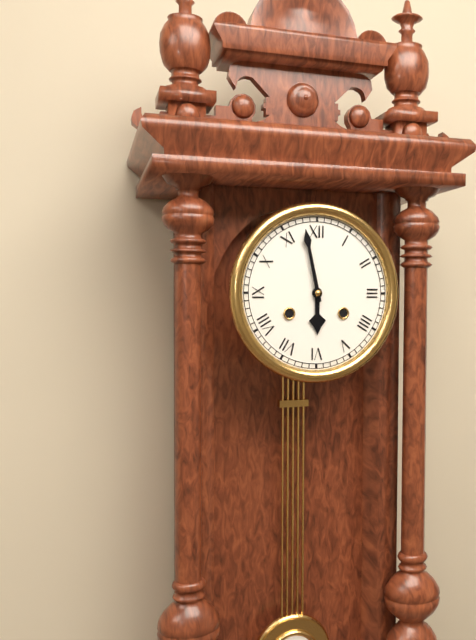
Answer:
5,58
